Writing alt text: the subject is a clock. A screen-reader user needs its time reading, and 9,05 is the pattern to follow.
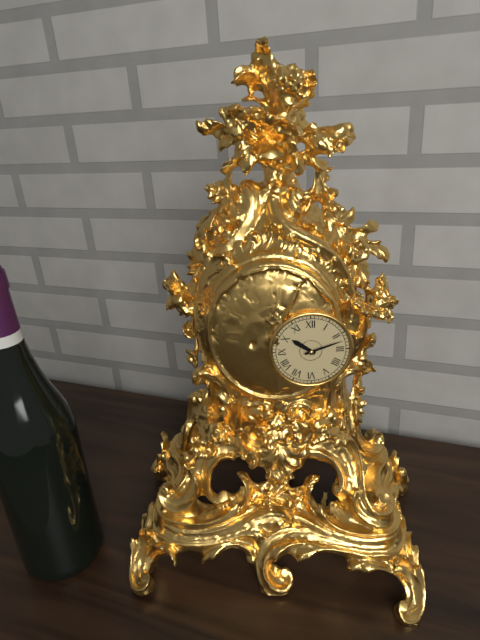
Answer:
10,12
